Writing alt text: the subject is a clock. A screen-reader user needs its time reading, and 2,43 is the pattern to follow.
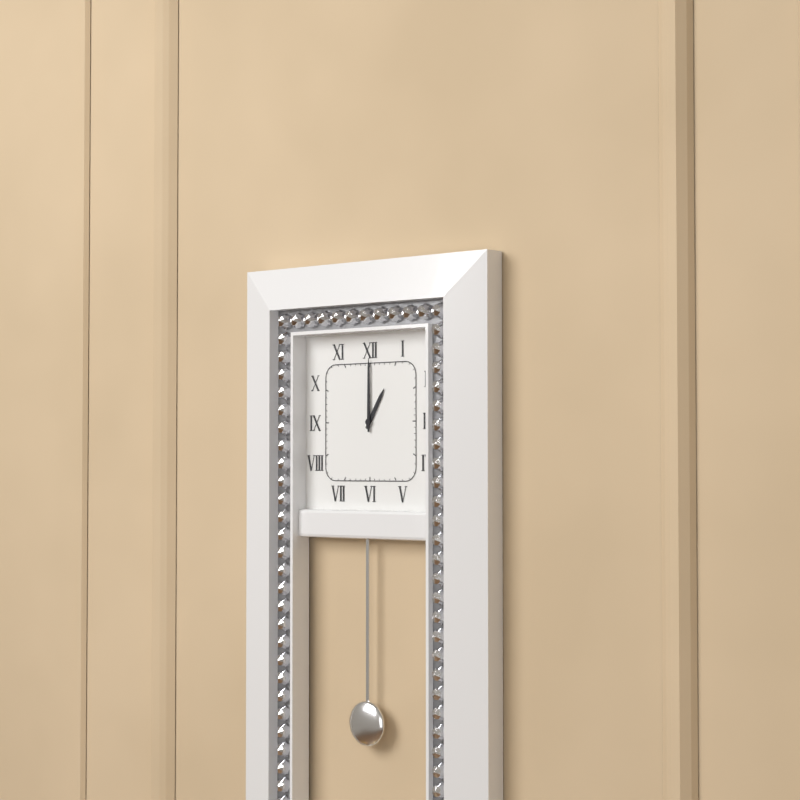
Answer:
1,00
